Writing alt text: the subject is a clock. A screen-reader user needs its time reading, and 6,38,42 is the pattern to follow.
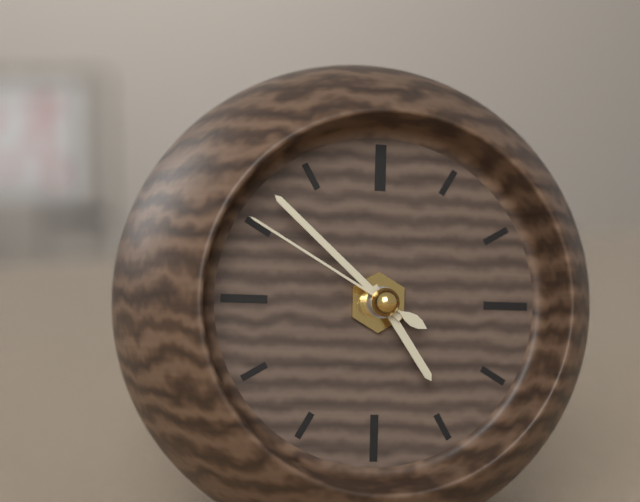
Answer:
4,52,50
